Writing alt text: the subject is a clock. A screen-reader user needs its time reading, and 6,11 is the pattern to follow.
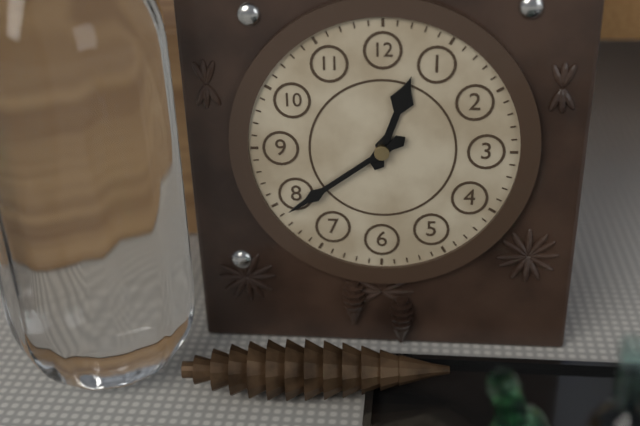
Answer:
12,39
